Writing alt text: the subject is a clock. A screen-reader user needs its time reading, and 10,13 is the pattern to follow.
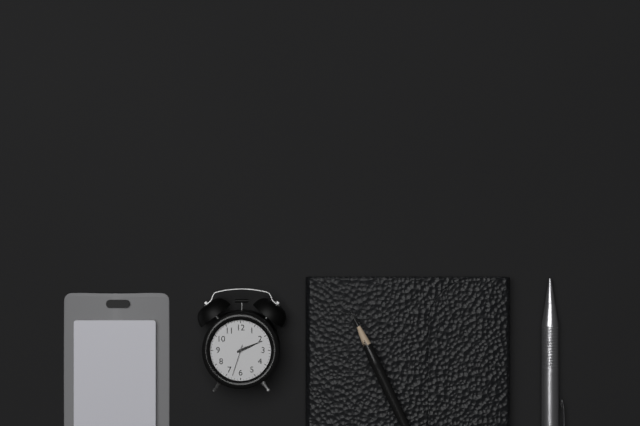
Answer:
2,11
